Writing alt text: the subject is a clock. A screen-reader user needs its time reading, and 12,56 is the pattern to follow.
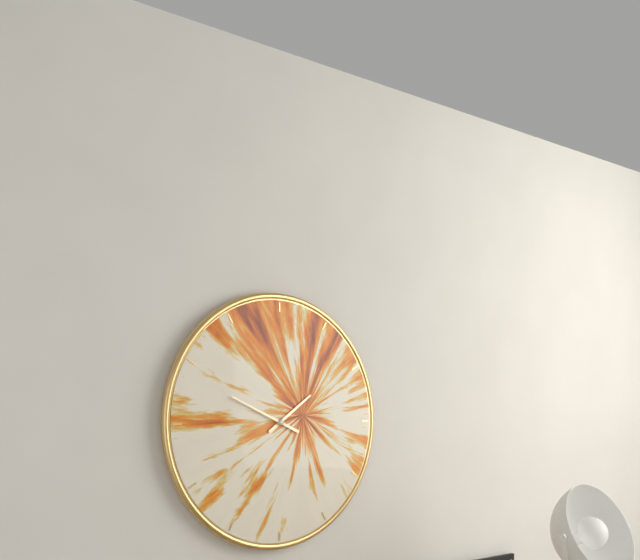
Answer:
1,49
